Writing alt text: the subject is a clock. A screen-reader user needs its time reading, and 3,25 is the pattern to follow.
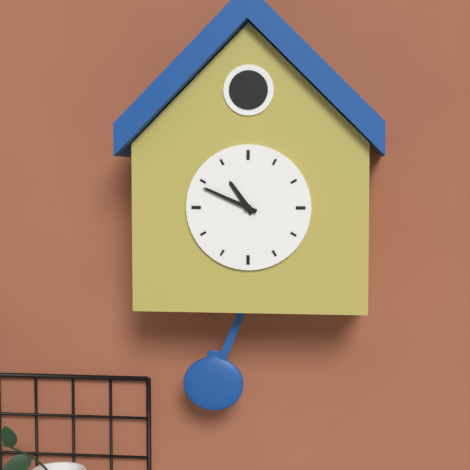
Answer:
10,49
